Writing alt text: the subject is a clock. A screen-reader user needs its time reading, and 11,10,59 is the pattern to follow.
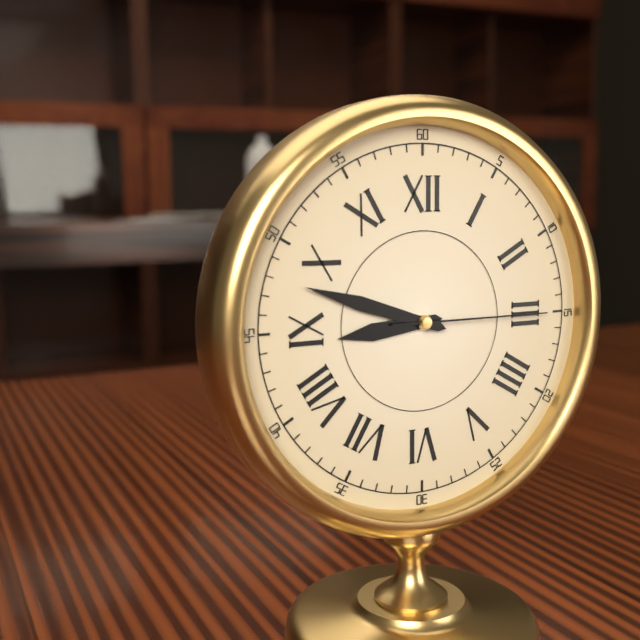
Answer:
8,48,15
